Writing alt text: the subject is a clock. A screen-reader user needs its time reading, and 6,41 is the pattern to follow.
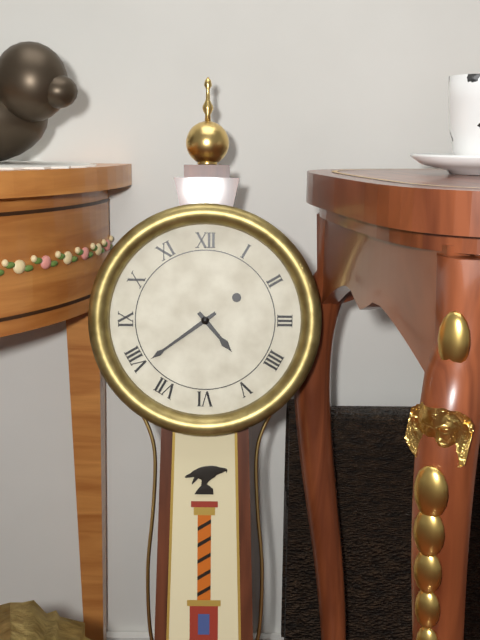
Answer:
4,39
